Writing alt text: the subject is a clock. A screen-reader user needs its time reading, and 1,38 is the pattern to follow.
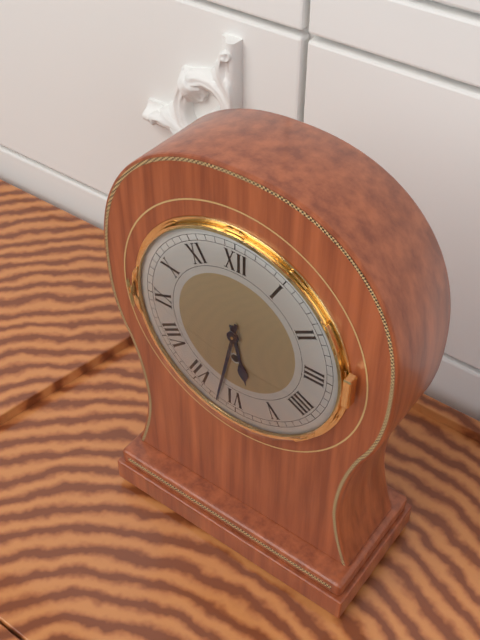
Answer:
5,32
